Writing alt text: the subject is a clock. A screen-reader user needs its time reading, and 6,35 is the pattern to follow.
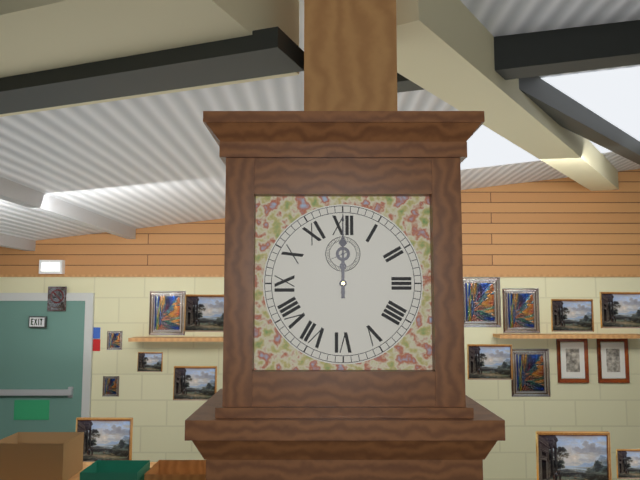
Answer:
12,00
